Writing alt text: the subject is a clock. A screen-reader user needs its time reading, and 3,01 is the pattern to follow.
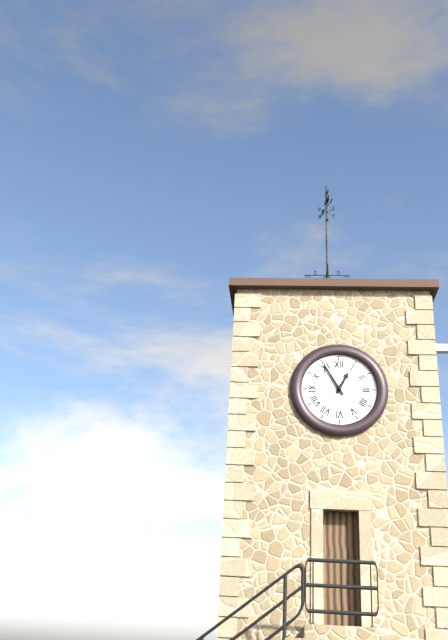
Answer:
12,55
